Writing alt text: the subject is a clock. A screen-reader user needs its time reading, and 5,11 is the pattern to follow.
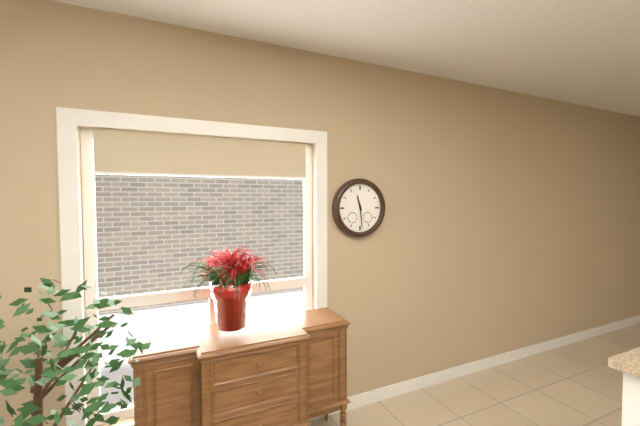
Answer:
11,29
